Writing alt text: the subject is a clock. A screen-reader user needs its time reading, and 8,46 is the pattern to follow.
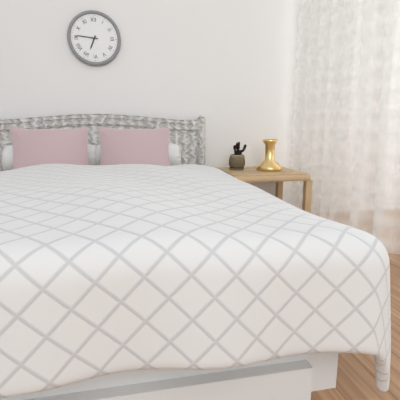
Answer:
6,46
